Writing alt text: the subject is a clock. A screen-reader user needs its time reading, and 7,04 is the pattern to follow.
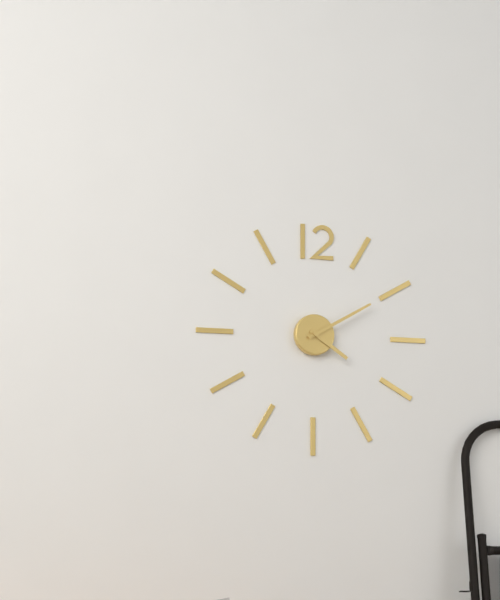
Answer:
4,10
